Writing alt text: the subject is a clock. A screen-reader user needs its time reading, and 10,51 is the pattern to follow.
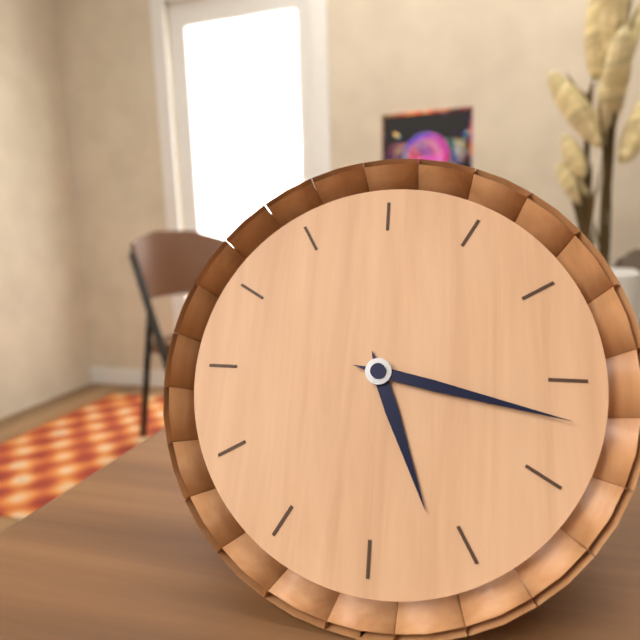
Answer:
5,17
